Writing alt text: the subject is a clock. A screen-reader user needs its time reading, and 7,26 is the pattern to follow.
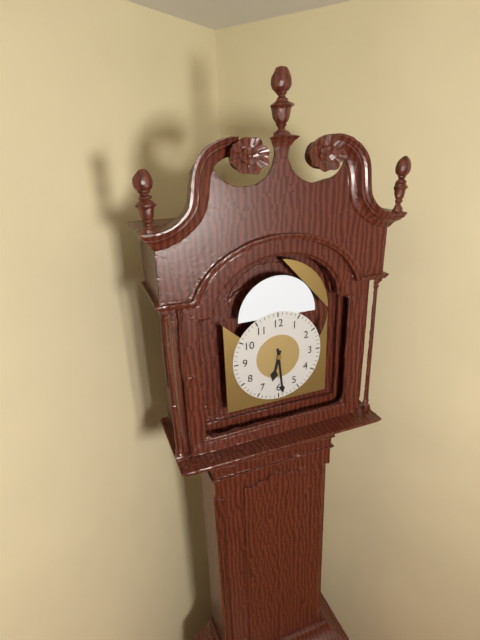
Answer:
6,29
